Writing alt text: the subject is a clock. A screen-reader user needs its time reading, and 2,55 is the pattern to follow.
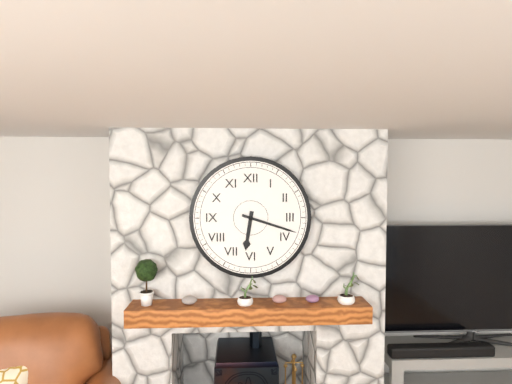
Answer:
6,18
